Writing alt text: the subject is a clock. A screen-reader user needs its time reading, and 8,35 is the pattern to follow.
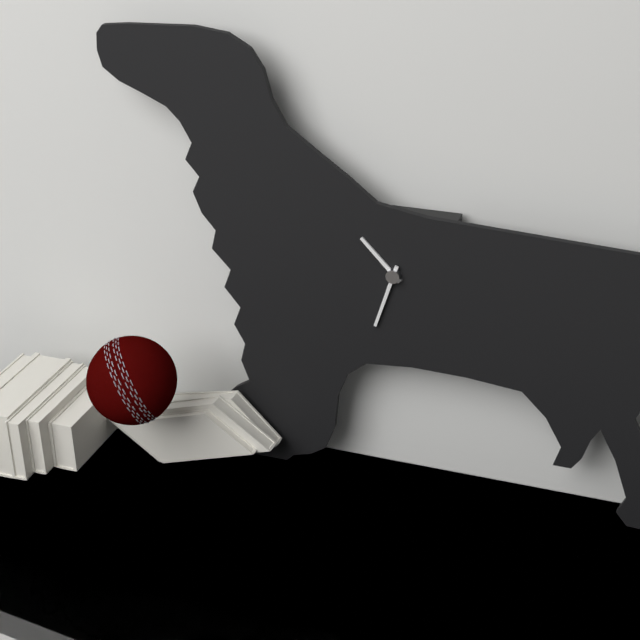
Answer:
10,33
